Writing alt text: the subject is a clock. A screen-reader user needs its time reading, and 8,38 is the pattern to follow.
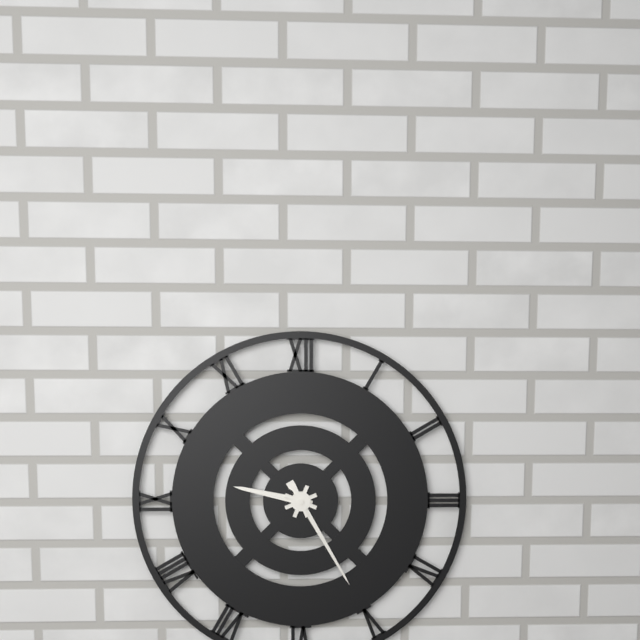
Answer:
9,25
